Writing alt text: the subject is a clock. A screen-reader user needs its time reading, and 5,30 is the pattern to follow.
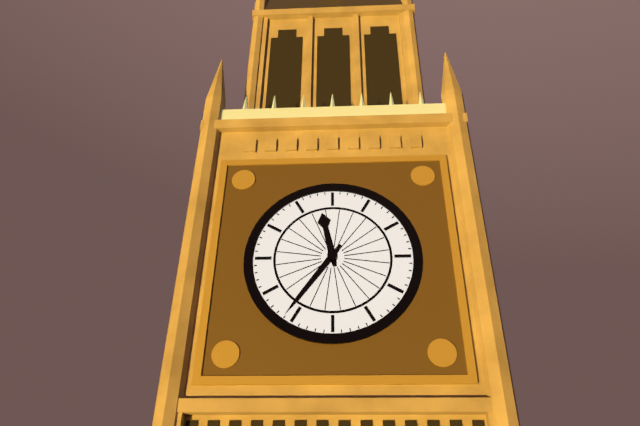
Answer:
11,36
